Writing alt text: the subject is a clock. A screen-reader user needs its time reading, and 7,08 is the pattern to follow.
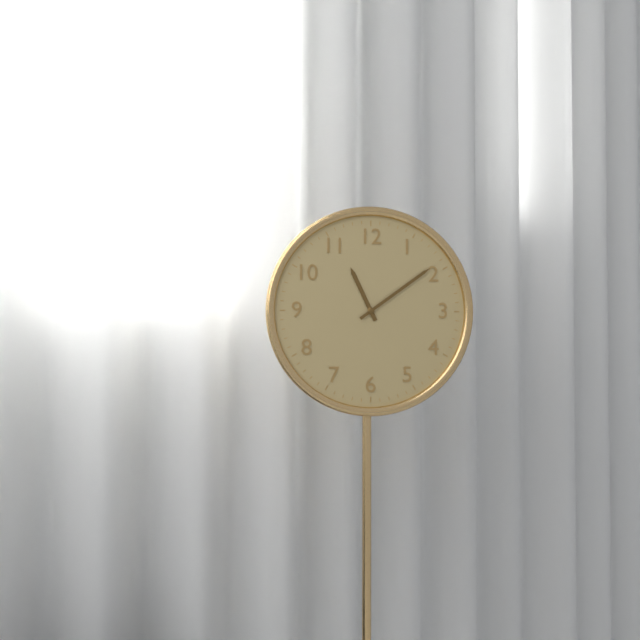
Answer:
11,09
